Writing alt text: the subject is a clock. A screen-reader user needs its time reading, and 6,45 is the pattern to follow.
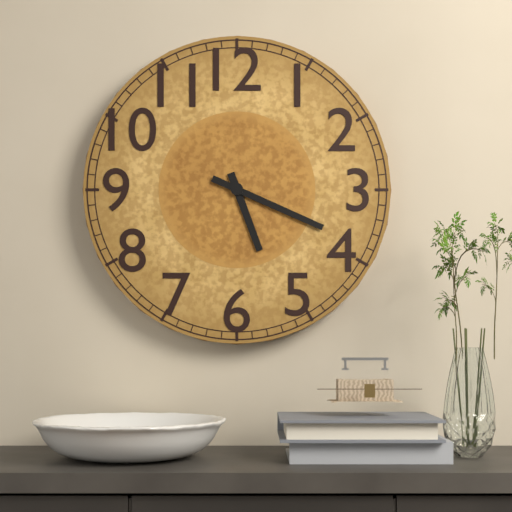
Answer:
5,19
